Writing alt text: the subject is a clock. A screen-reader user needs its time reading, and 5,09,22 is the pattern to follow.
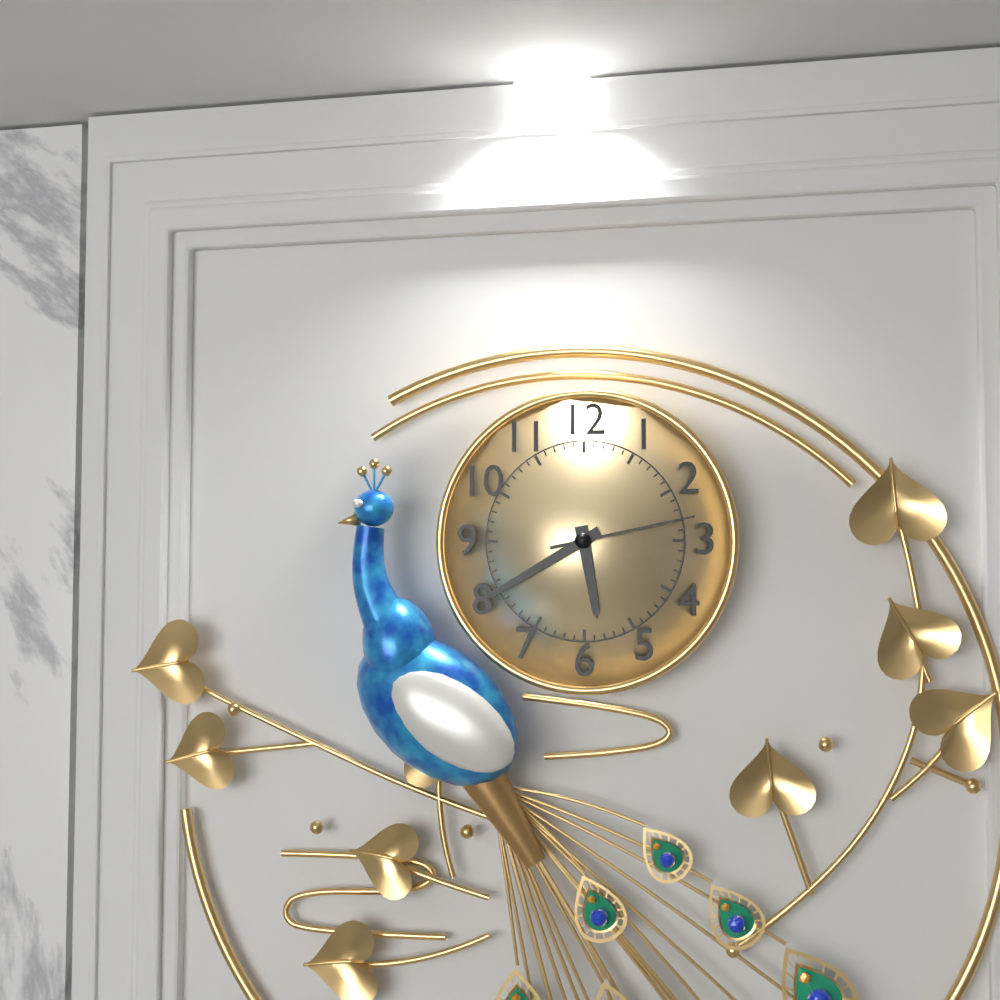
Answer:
5,40,13
